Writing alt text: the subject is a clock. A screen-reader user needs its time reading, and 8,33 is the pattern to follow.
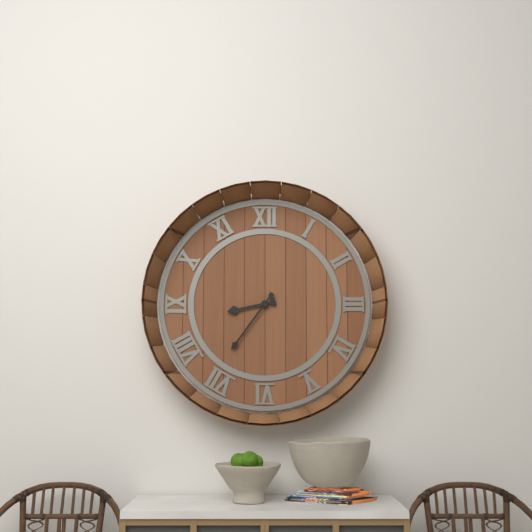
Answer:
8,36
